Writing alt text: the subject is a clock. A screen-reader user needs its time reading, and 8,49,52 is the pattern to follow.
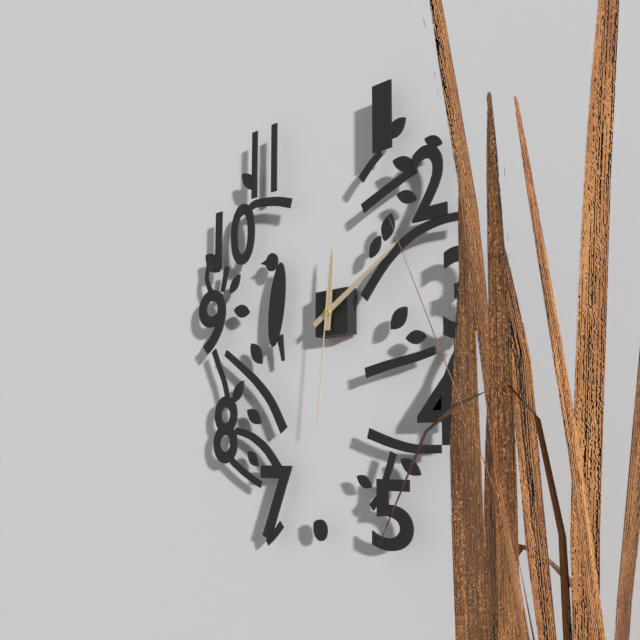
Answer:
12,10,31
